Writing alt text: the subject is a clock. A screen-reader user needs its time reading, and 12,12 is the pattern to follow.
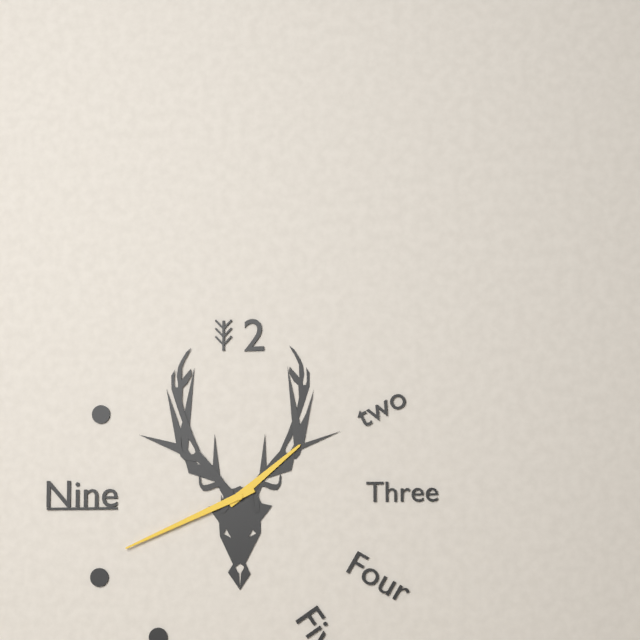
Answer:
1,41
